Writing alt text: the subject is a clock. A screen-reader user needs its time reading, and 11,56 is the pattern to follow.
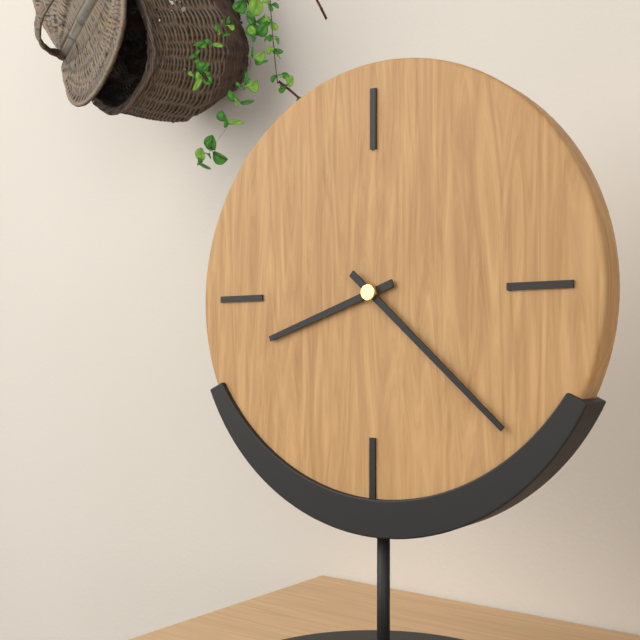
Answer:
8,22
